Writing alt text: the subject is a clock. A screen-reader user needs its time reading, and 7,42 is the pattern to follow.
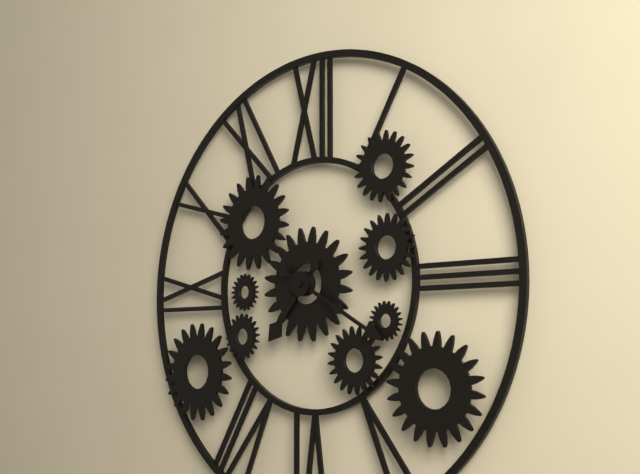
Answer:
7,20
